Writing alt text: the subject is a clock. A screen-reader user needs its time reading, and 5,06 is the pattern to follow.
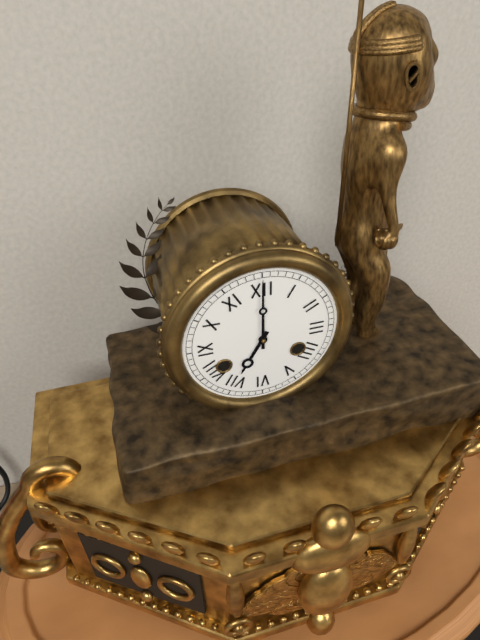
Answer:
7,00
